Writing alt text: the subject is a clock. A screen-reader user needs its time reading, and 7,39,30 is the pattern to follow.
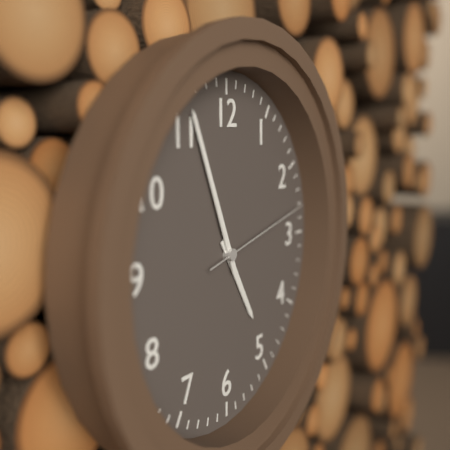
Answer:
4,56,13
